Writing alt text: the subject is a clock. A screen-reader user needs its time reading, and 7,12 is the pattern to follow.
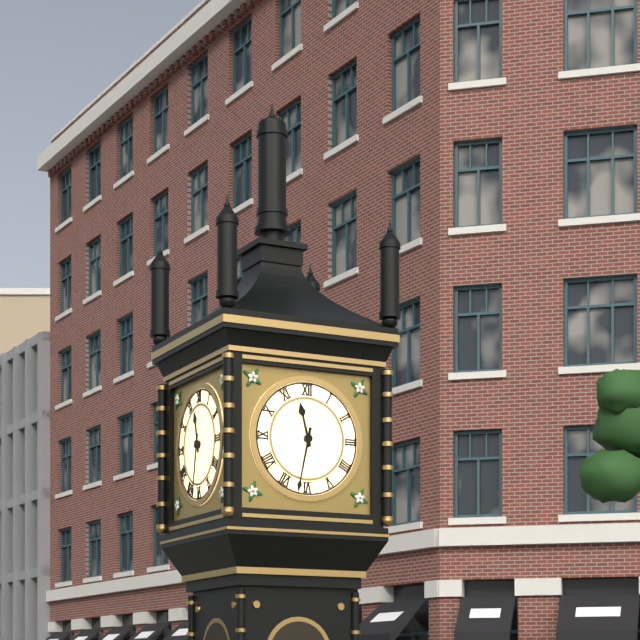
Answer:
11,32
